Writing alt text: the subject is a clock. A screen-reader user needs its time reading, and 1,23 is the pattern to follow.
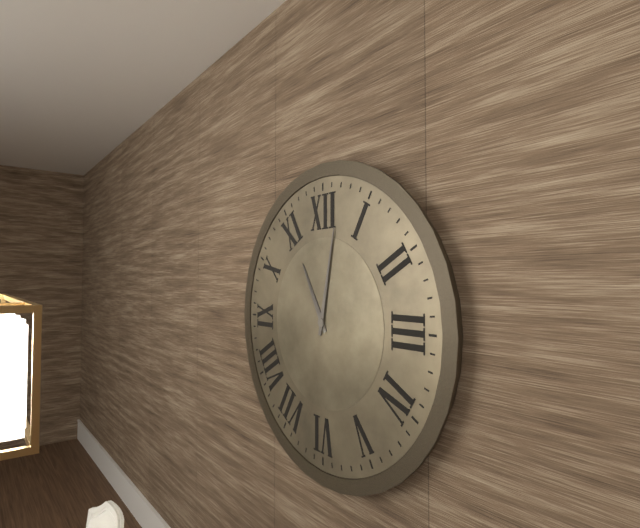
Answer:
11,02
